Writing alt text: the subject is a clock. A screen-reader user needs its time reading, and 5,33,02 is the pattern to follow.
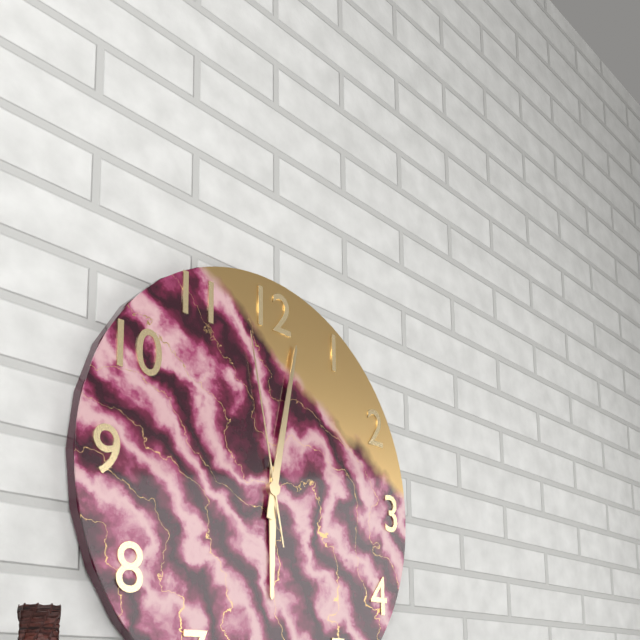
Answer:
6,02,58
